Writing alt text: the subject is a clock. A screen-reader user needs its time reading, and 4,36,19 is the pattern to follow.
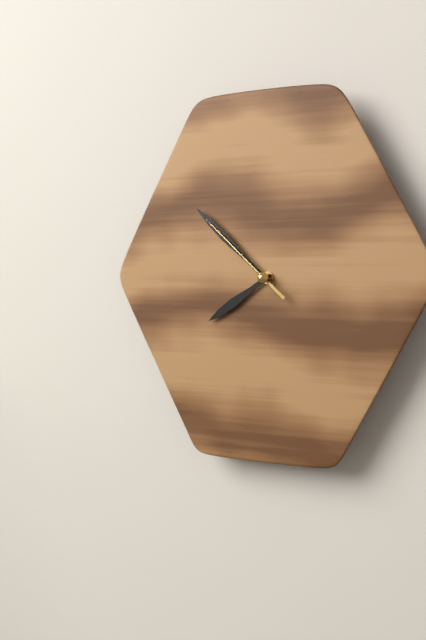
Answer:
7,52,52
